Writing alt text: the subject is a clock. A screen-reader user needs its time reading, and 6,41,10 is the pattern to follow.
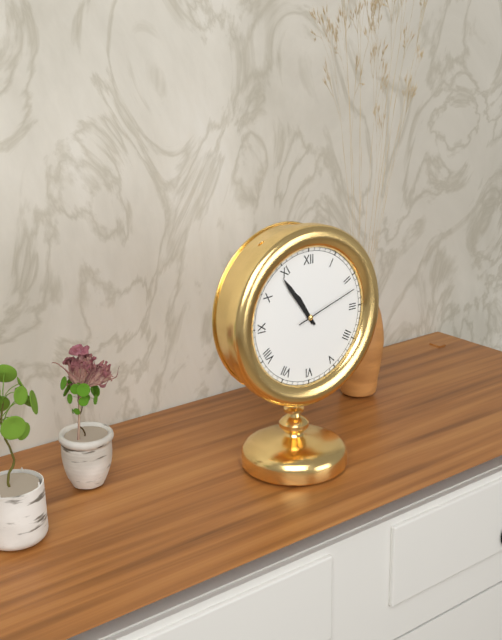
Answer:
10,54,12
